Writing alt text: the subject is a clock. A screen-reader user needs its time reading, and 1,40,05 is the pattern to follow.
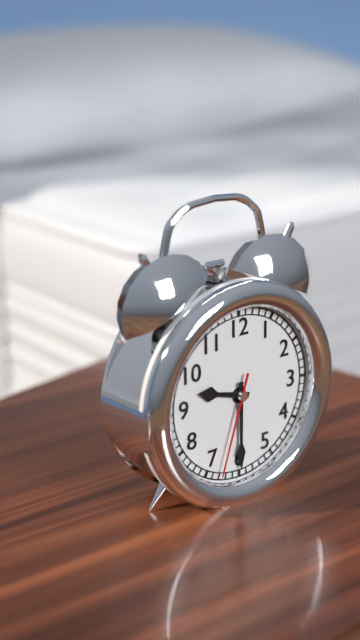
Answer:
9,30,33
